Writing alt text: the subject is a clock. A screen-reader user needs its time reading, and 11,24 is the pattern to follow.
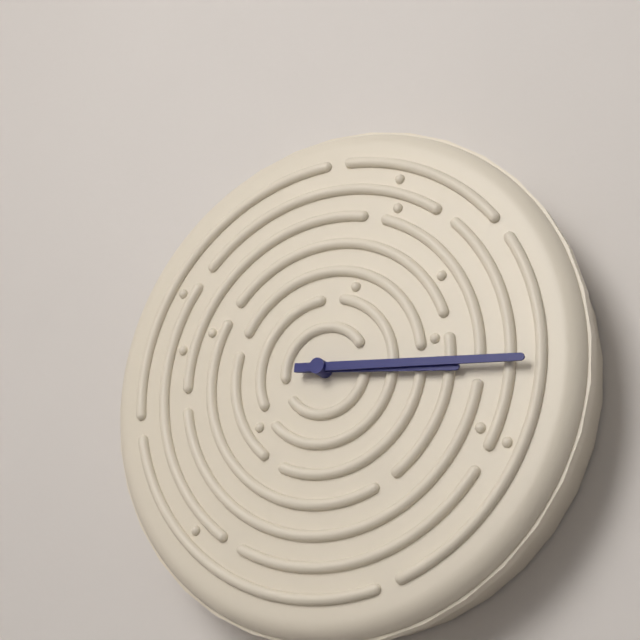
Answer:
3,16
